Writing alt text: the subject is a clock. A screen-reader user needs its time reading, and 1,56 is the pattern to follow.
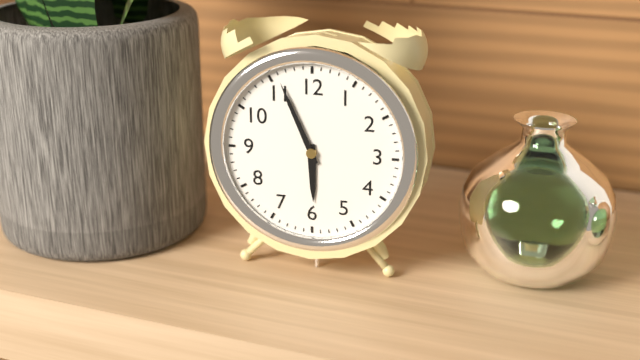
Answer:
5,56
